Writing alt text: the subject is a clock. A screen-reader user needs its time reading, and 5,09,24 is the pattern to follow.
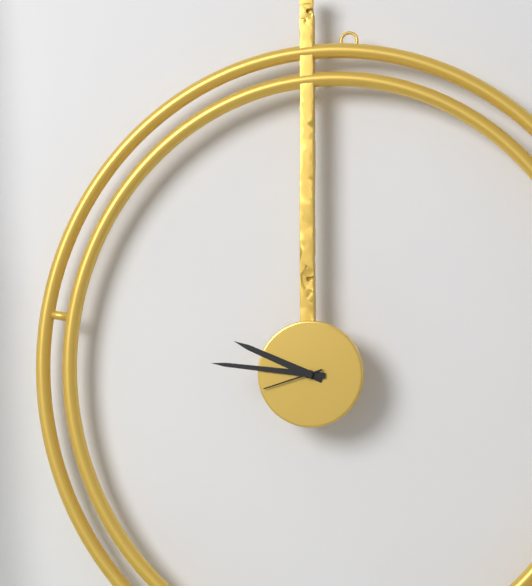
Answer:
9,46,42
